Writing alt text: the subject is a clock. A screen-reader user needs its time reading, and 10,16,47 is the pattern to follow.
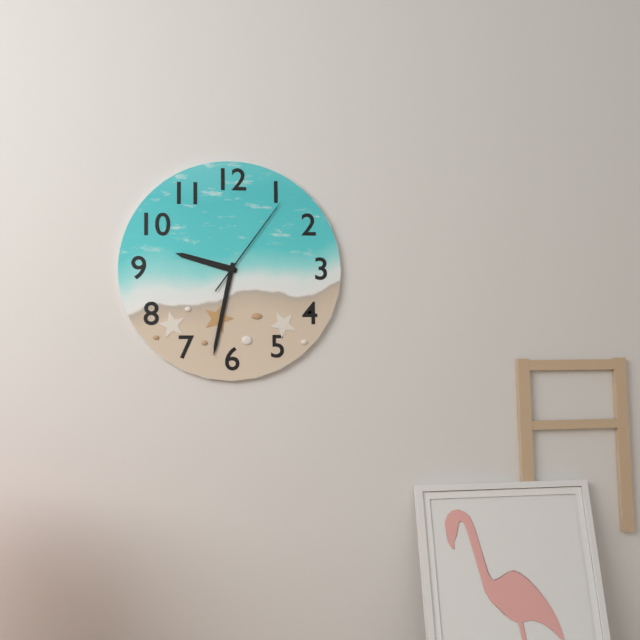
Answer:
9,32,06
